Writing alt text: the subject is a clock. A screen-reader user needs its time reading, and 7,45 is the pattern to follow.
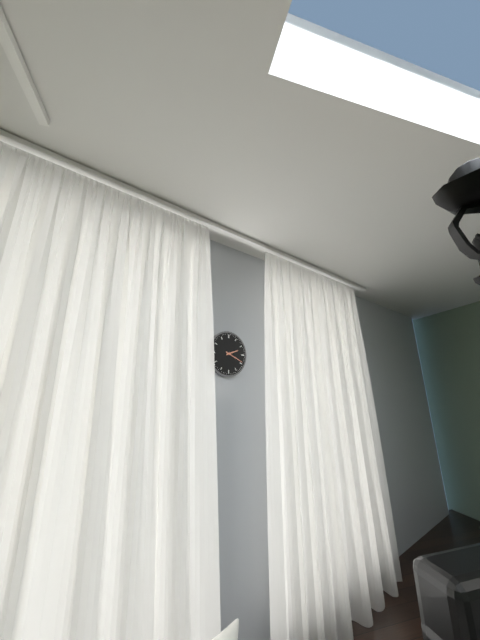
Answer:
2,19
